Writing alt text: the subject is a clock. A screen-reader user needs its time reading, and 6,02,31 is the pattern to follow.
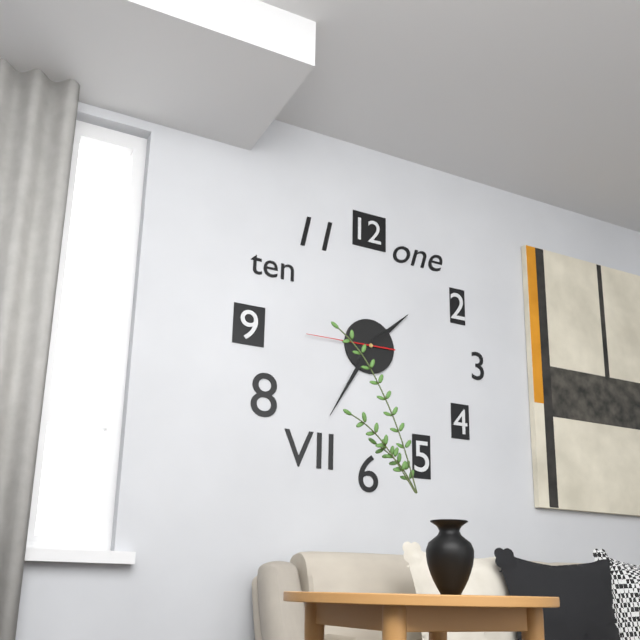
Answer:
1,35,45
